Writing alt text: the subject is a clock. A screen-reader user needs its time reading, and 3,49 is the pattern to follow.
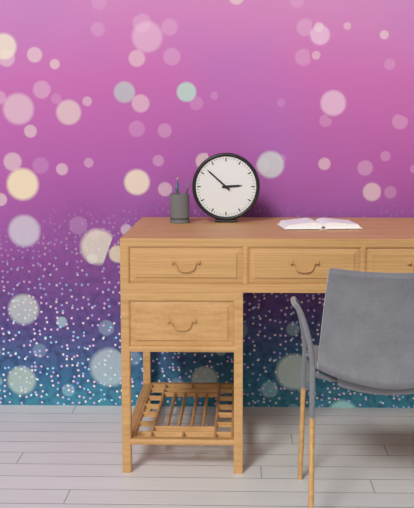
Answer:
2,52
